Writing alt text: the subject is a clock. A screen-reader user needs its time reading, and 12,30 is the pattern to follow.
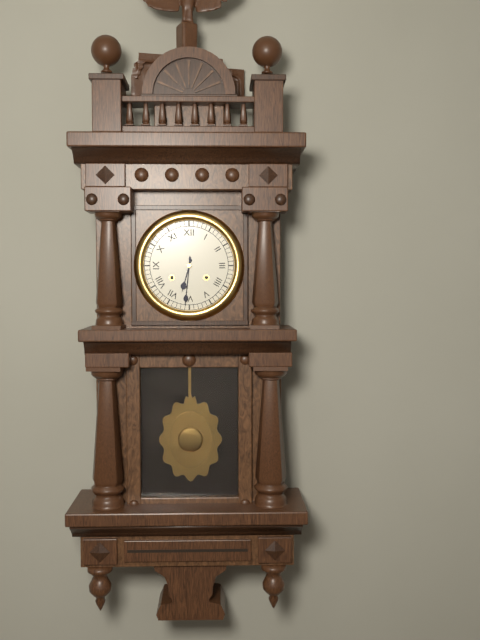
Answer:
6,31
